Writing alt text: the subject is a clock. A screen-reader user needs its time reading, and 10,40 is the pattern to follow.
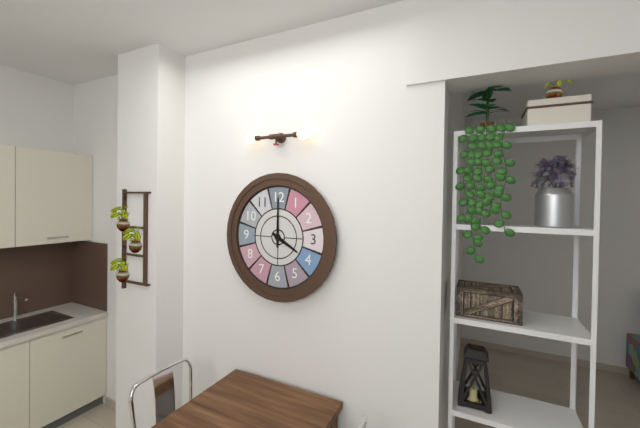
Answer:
4,00
